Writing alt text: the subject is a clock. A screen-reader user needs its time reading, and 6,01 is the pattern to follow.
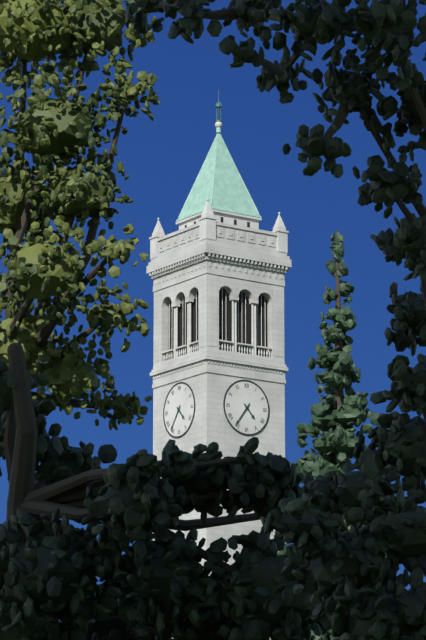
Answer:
4,36
